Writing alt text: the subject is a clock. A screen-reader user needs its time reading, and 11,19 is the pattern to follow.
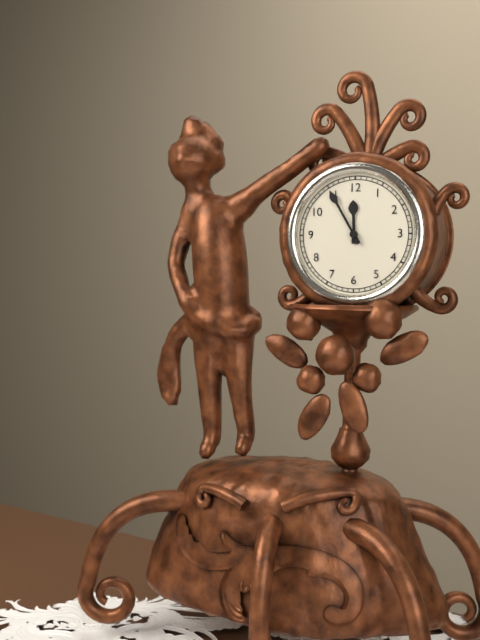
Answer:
11,55
